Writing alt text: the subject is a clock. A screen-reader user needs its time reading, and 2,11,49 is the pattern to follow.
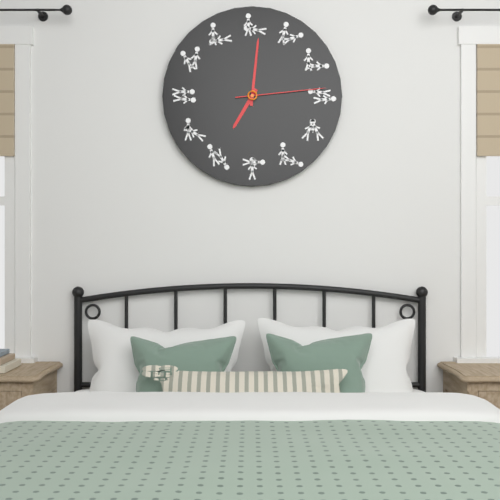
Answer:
7,01,14
